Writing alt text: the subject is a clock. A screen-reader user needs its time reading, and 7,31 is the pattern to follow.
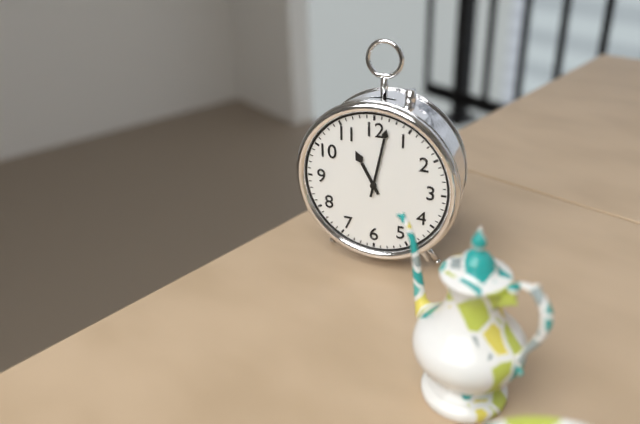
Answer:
11,02
